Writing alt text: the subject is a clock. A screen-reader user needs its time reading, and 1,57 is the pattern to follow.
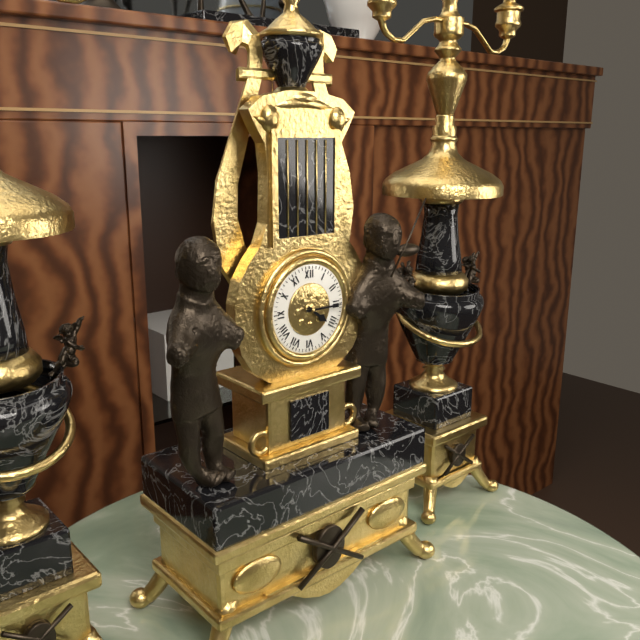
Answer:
4,15
